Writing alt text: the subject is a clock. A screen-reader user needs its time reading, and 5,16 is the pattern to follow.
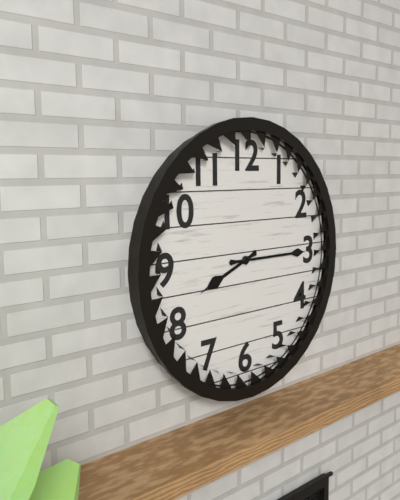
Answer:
8,15
